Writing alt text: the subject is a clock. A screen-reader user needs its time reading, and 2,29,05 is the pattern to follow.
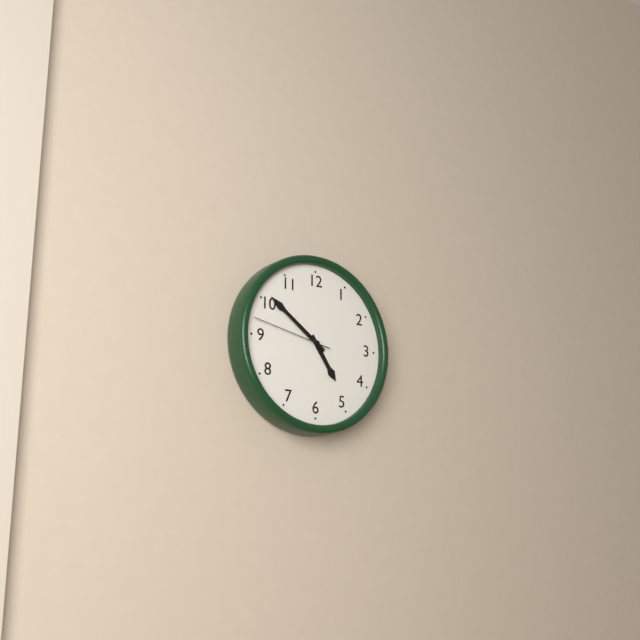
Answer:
4,51,47
